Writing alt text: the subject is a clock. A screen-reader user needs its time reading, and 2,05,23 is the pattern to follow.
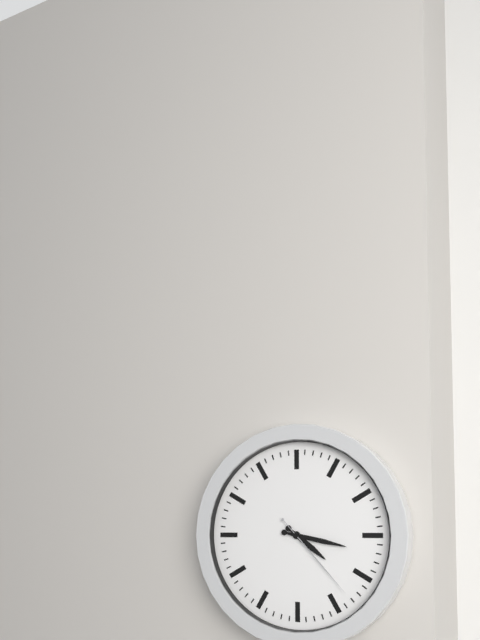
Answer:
4,17,23
